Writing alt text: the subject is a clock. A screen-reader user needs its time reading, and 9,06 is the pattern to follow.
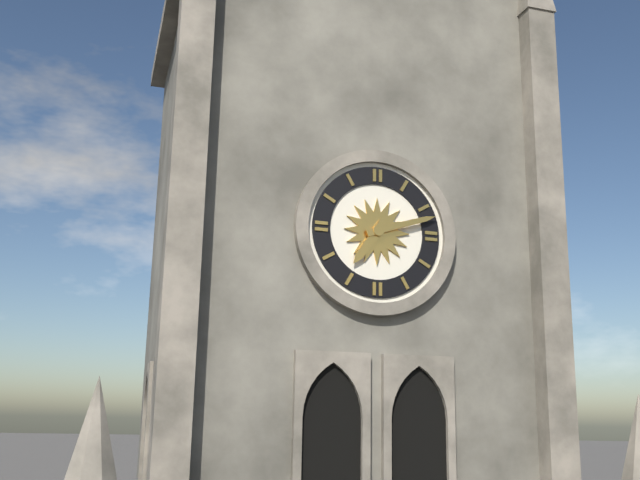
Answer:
7,12
